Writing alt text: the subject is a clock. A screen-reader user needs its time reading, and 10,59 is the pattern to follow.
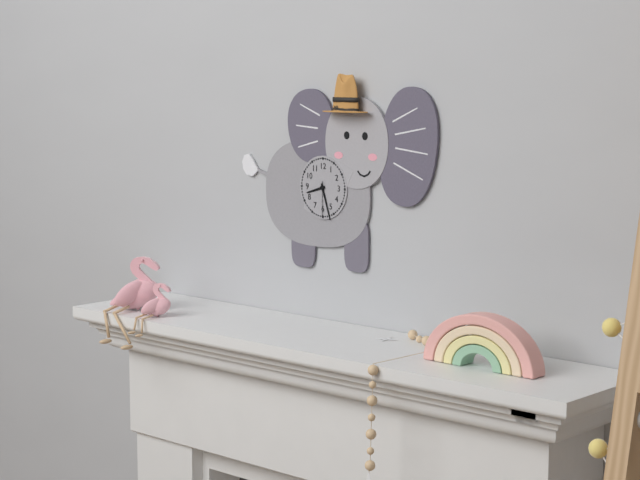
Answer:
8,27
